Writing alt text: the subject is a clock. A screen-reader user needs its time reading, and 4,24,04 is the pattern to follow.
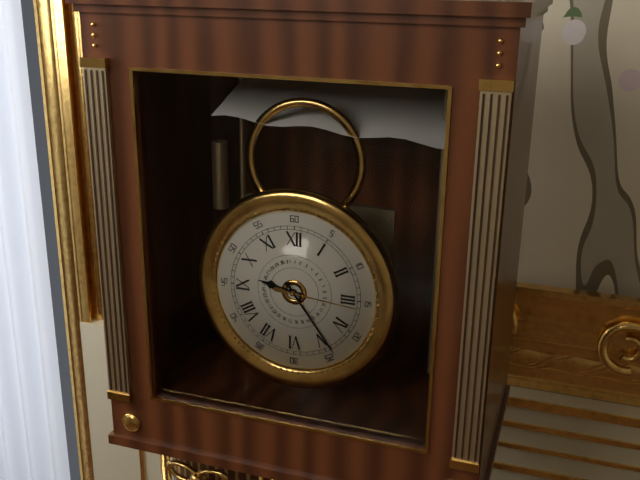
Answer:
9,24,16
